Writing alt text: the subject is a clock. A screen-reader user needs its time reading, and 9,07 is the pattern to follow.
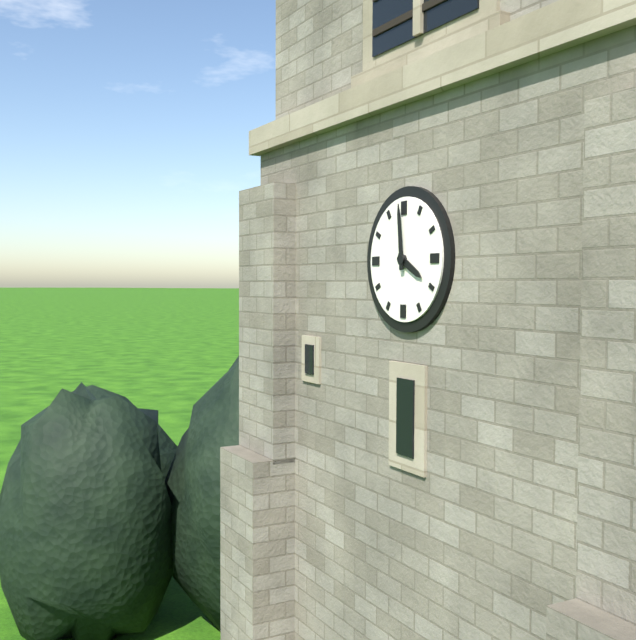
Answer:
3,59
